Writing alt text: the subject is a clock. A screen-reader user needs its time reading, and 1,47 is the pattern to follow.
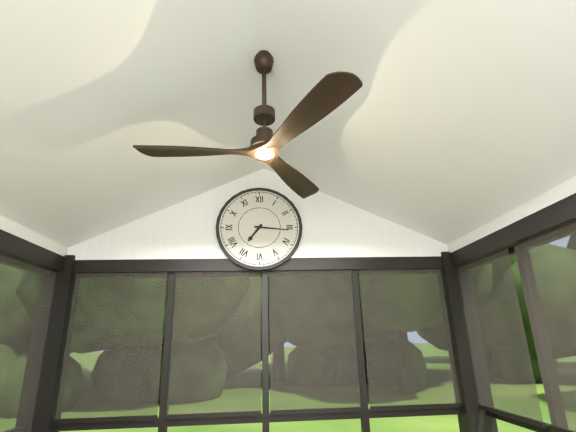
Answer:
7,16
